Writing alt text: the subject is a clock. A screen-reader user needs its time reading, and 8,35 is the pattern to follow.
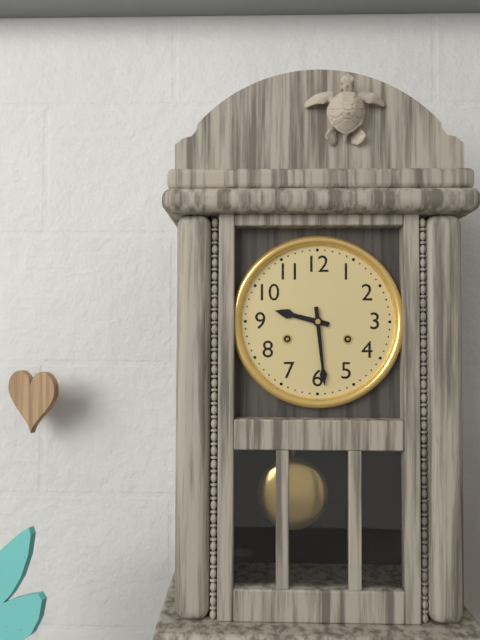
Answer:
9,29
